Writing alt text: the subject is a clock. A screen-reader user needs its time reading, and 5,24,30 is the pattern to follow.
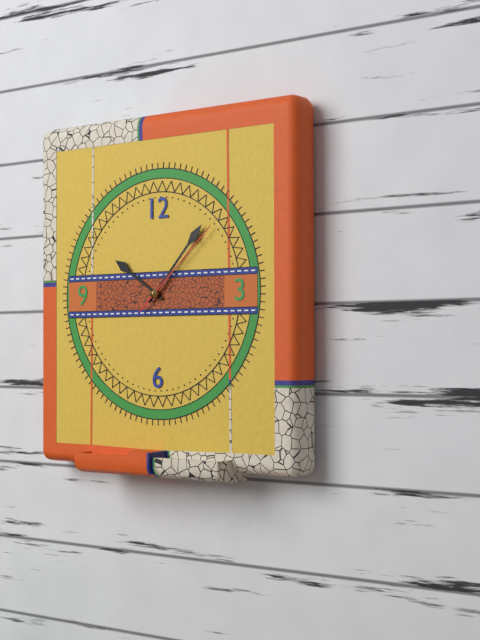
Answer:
10,07,08
